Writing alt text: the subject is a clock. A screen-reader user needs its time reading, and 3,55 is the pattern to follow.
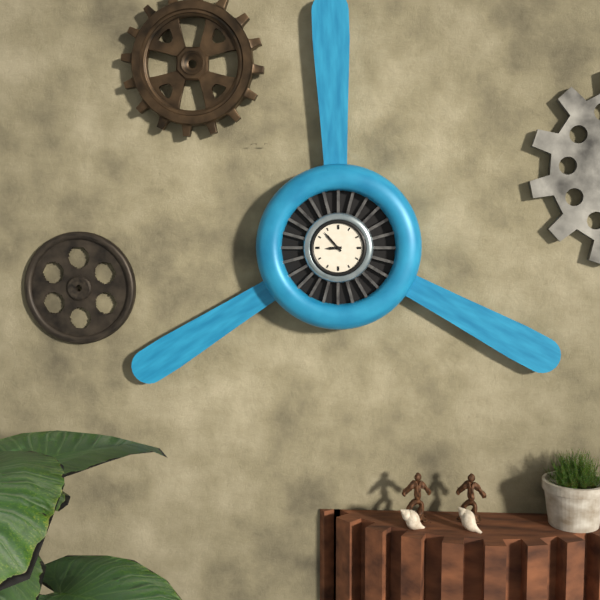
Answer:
8,53
